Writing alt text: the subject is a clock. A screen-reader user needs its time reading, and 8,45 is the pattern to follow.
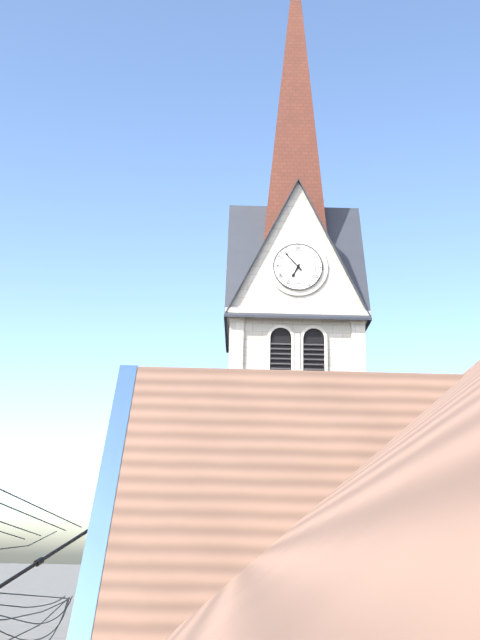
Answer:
6,53
